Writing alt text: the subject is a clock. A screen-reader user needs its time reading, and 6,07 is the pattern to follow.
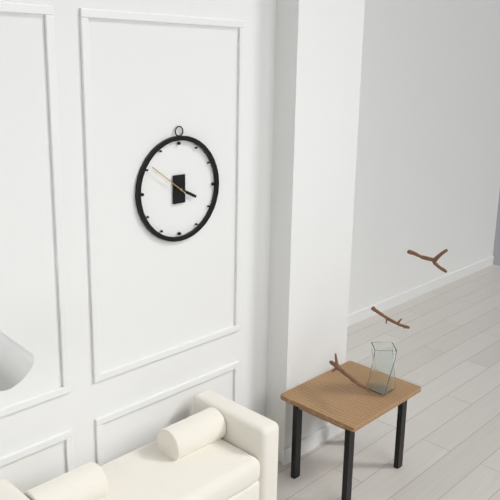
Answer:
3,51
